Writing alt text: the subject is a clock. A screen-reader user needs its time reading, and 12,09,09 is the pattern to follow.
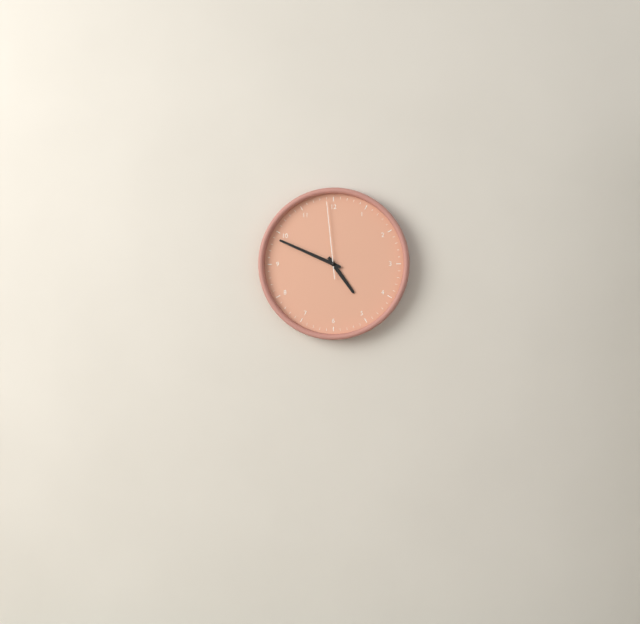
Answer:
4,49,59
